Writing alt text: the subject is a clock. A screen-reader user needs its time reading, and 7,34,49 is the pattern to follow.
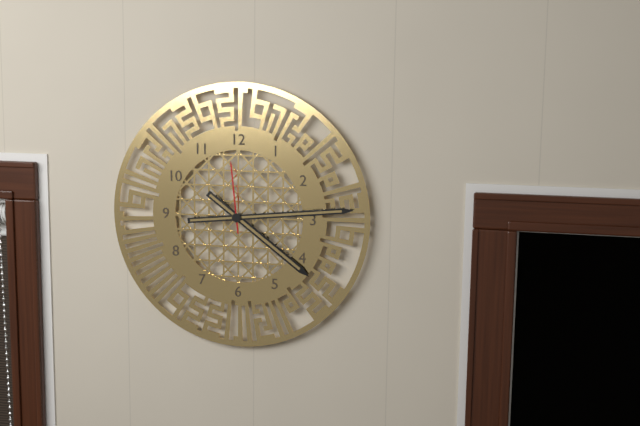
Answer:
4,14,59
